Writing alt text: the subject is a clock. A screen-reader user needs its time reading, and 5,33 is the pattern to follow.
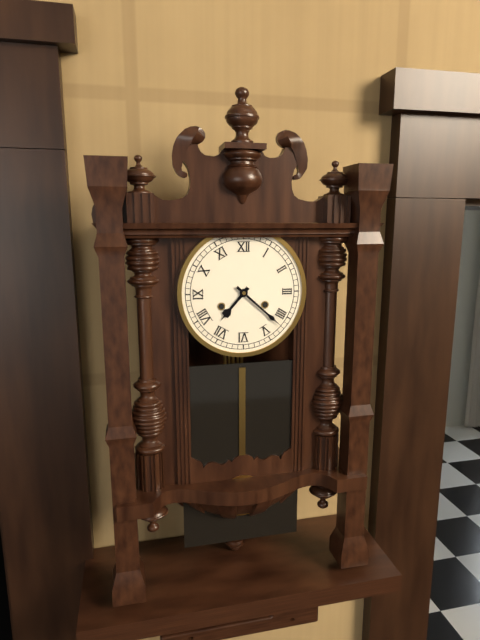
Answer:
7,22
